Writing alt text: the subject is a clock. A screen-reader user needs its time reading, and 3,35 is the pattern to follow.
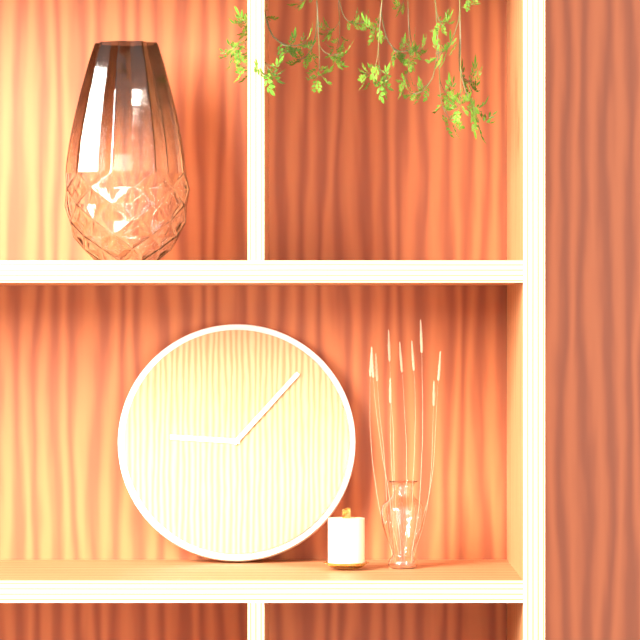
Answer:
9,07
